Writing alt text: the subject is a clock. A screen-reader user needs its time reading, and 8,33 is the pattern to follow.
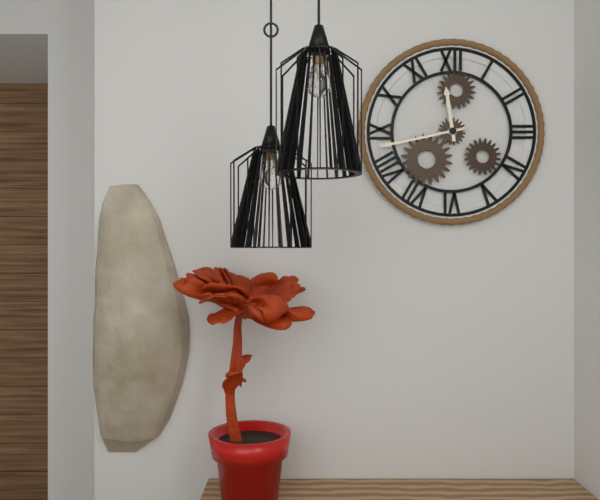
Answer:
11,43
